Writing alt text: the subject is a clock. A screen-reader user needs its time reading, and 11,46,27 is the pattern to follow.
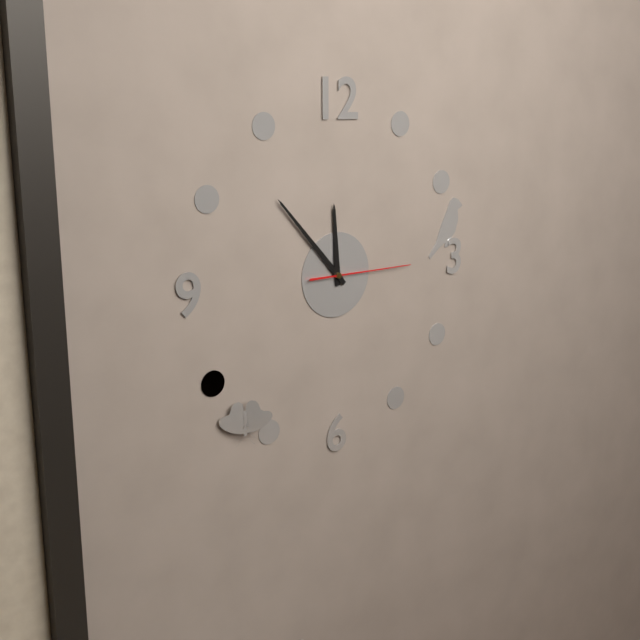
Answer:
11,53,15
